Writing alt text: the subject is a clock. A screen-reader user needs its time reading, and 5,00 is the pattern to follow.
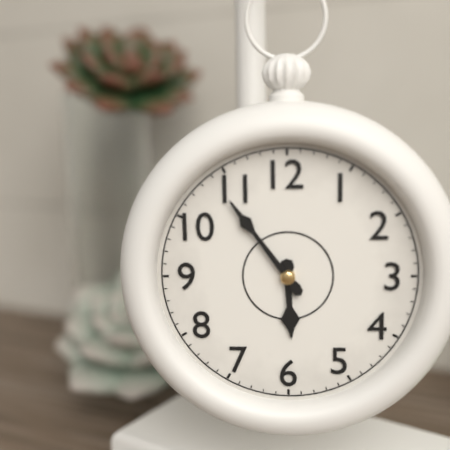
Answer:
5,54
